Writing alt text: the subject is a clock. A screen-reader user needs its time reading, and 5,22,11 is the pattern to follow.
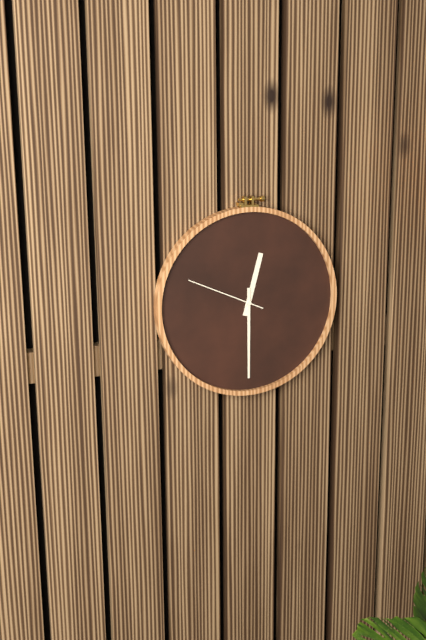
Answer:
12,30,49
